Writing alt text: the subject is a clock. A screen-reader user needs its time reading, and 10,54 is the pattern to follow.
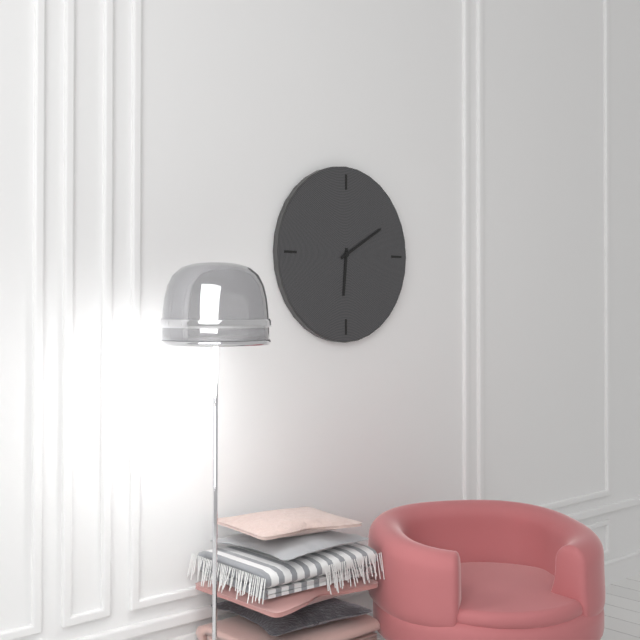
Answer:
6,10
